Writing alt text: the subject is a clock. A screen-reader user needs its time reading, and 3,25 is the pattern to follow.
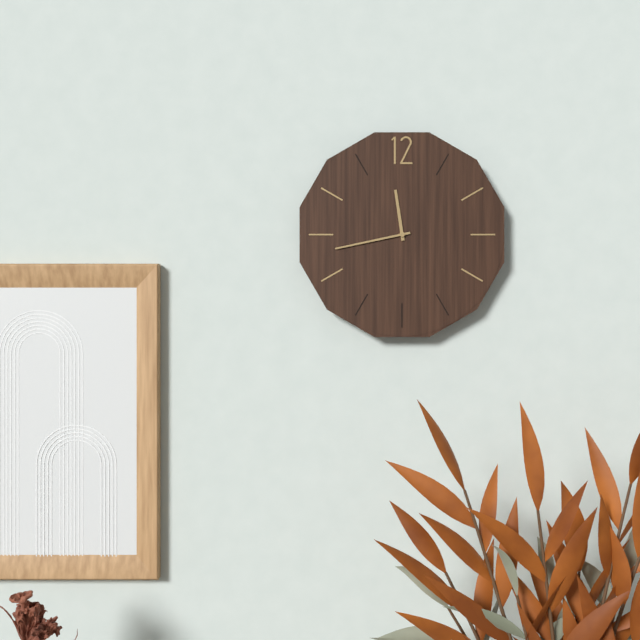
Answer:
11,43
